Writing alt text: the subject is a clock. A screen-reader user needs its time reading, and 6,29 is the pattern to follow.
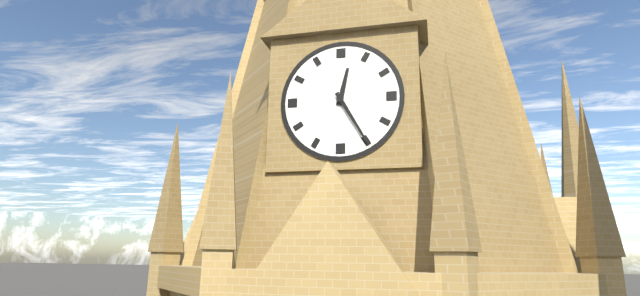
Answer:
12,25
